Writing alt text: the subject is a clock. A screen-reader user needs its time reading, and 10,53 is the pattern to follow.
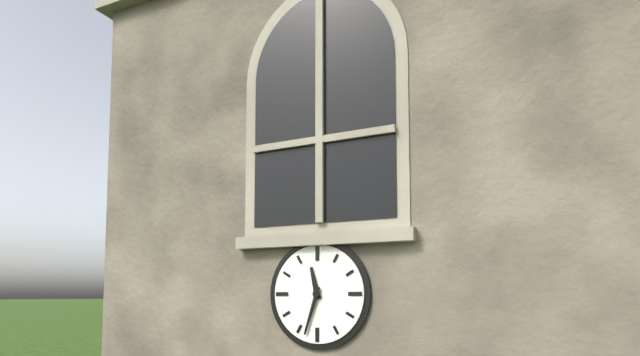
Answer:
11,33
